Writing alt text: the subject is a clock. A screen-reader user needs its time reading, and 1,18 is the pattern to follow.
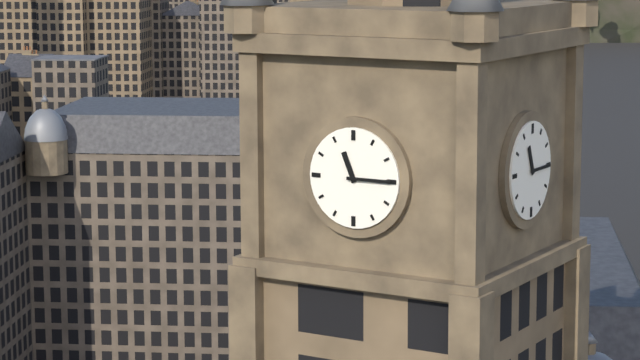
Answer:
11,15
